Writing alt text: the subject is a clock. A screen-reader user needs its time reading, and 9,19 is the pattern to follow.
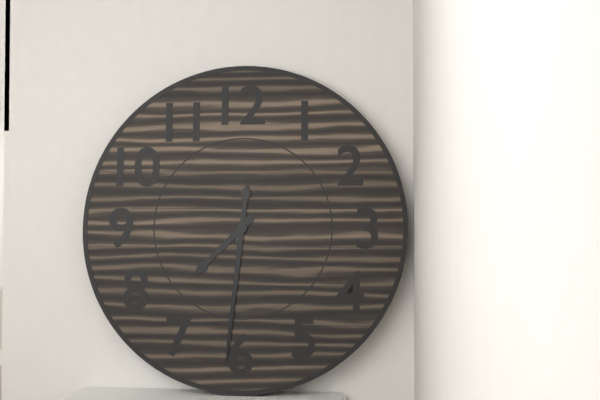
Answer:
7,31
